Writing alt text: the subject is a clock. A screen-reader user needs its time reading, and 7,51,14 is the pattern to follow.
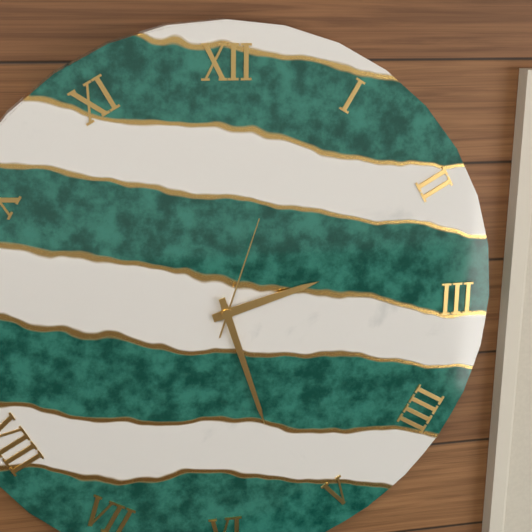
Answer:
2,27,03
